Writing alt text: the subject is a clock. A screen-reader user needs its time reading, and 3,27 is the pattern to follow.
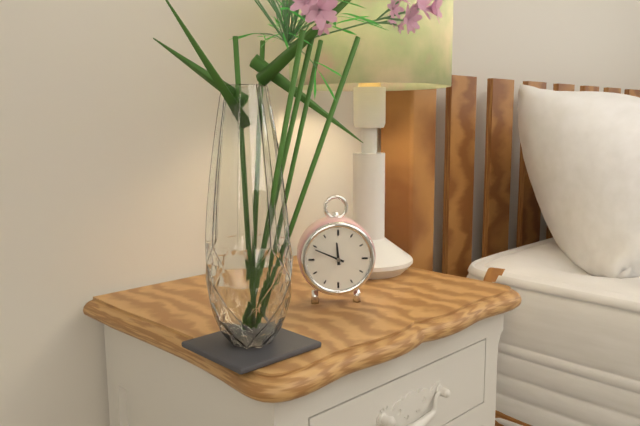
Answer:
11,49
